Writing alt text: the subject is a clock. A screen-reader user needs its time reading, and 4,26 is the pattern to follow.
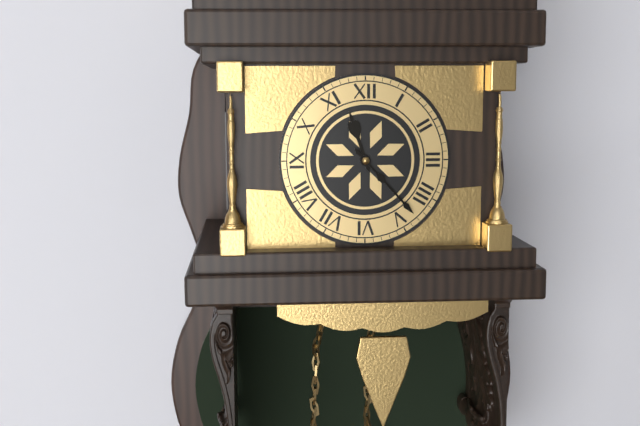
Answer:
11,23
